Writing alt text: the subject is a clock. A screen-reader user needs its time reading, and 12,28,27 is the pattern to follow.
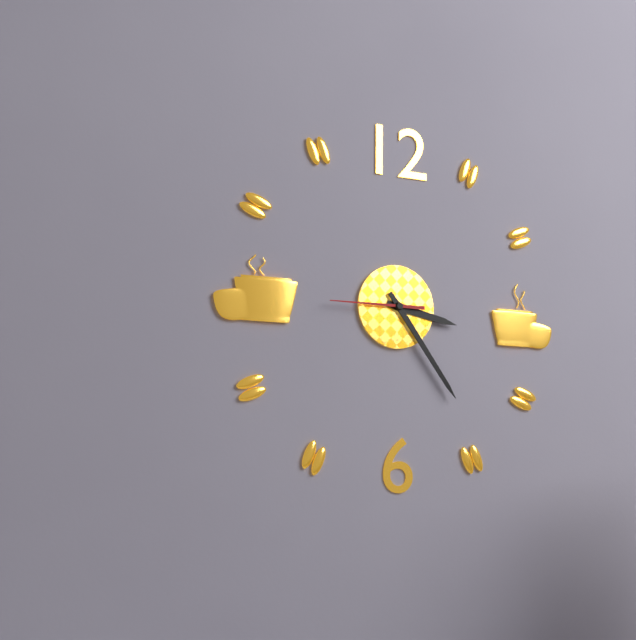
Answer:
3,24,45
